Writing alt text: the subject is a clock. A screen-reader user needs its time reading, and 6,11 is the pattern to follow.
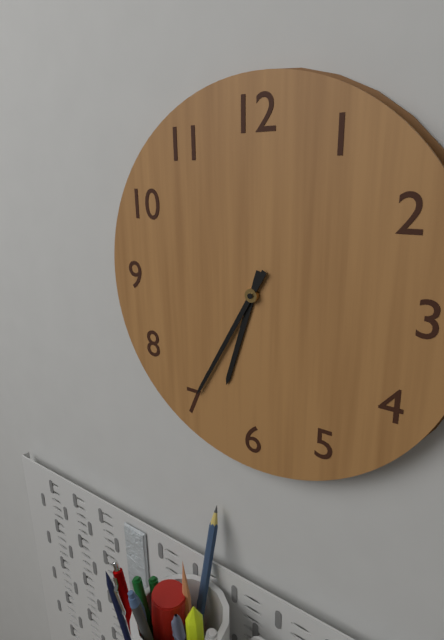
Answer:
6,35
